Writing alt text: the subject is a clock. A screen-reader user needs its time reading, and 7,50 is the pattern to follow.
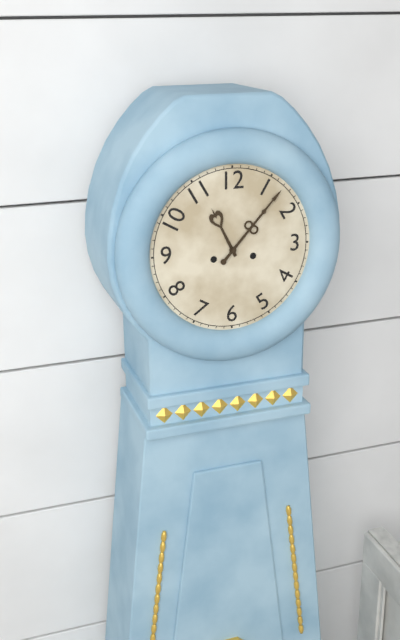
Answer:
11,07
